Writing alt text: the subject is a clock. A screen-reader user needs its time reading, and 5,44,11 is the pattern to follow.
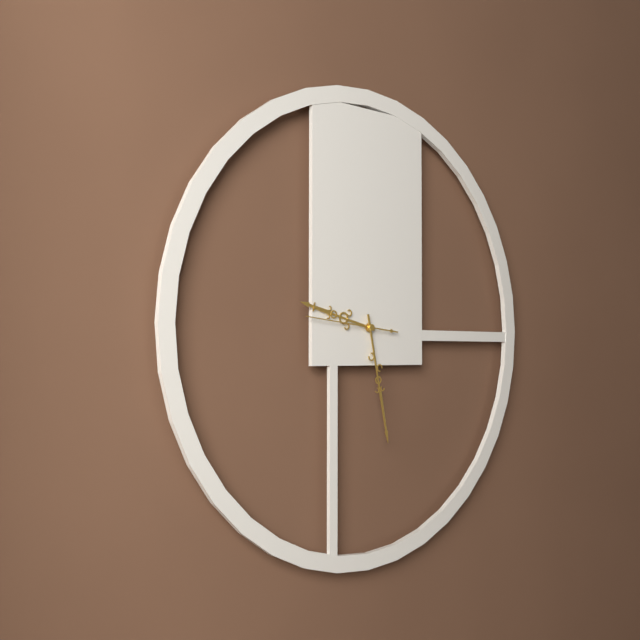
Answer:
9,28,46
